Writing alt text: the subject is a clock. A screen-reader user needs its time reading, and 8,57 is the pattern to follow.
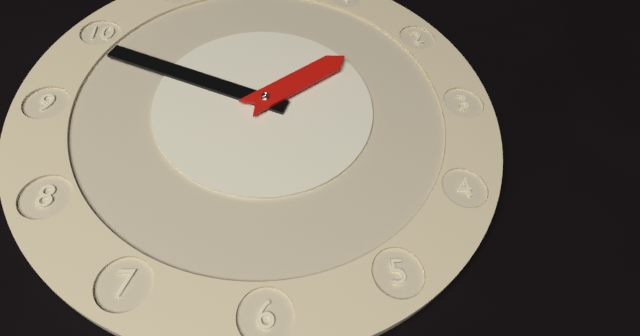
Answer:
1,49
